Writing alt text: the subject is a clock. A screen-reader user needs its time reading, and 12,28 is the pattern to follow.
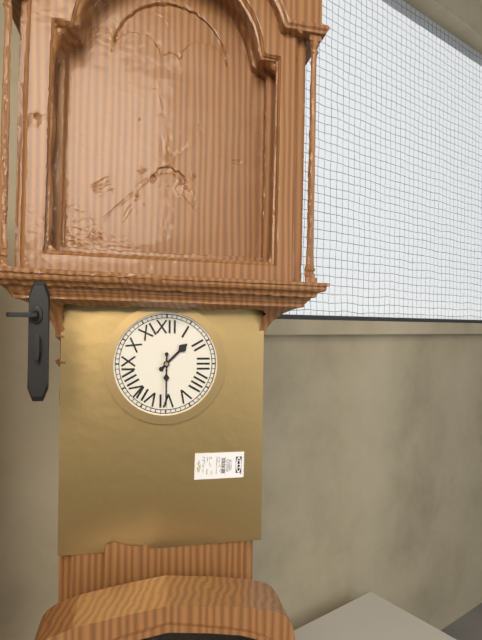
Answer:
1,30
